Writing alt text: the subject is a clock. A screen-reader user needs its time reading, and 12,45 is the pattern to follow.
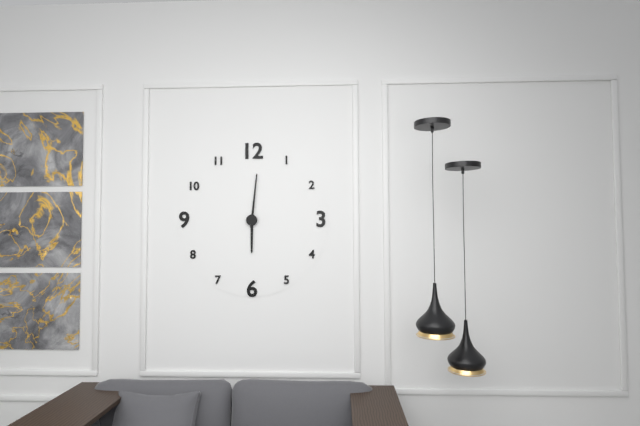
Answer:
6,01
